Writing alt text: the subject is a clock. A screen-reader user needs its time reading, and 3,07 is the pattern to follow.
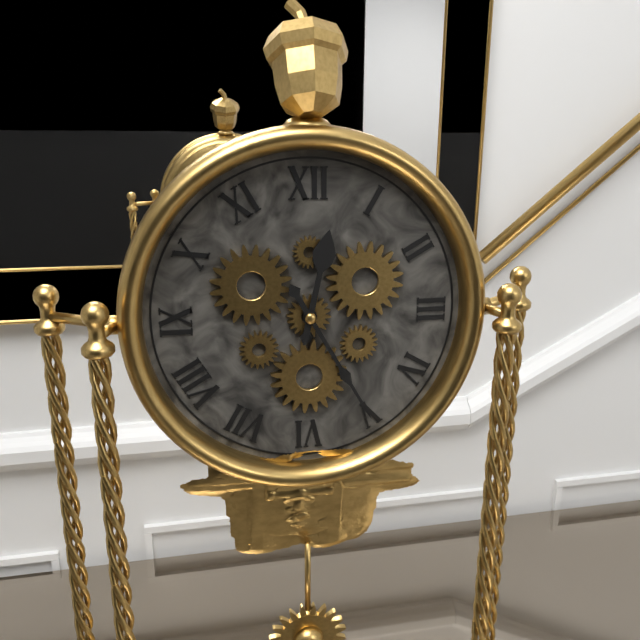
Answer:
12,25
